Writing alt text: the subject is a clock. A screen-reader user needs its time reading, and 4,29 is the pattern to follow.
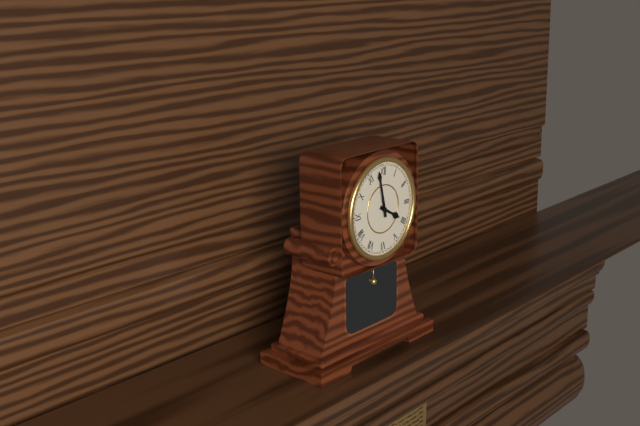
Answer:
3,58
